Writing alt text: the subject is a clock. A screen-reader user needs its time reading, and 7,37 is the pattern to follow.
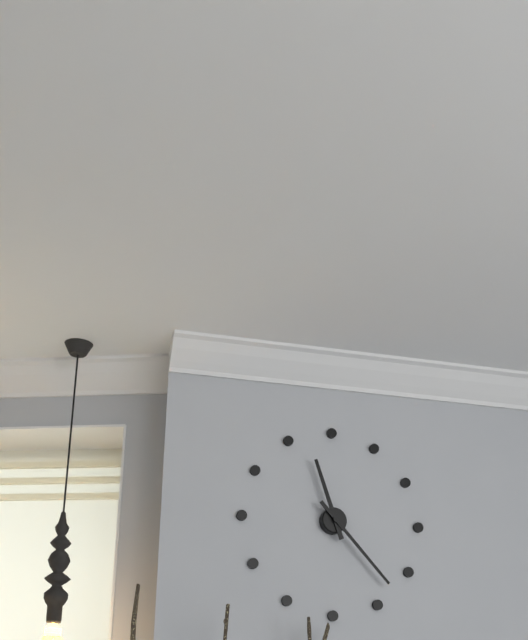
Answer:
11,23
